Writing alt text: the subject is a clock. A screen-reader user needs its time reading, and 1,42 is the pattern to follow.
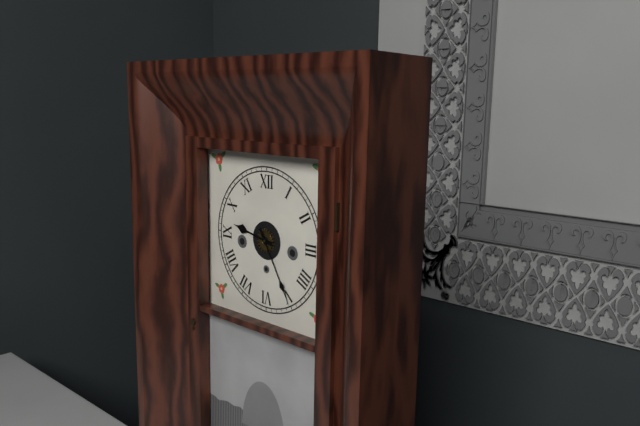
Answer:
9,25
